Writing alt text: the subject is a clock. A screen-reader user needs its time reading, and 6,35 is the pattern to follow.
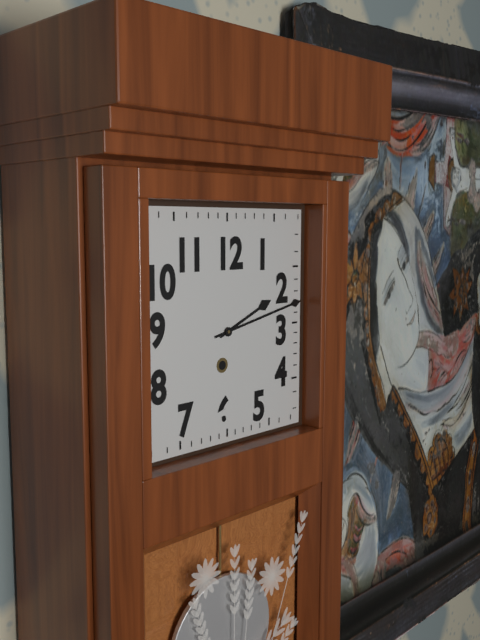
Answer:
2,13
